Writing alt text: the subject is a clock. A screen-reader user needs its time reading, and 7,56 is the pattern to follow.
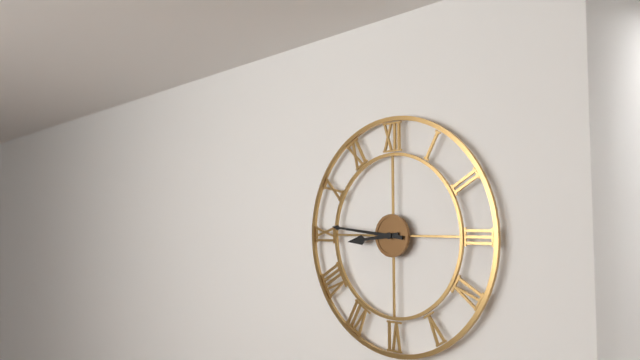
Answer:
8,46
